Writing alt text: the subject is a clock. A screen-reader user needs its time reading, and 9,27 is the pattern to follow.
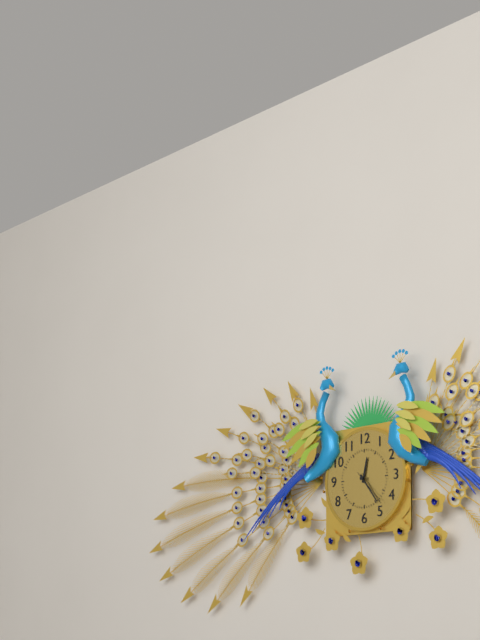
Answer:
12,24
